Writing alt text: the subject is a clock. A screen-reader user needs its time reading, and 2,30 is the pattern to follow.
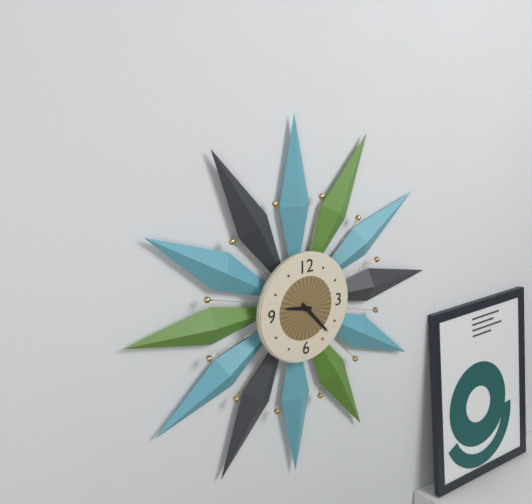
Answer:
9,23
